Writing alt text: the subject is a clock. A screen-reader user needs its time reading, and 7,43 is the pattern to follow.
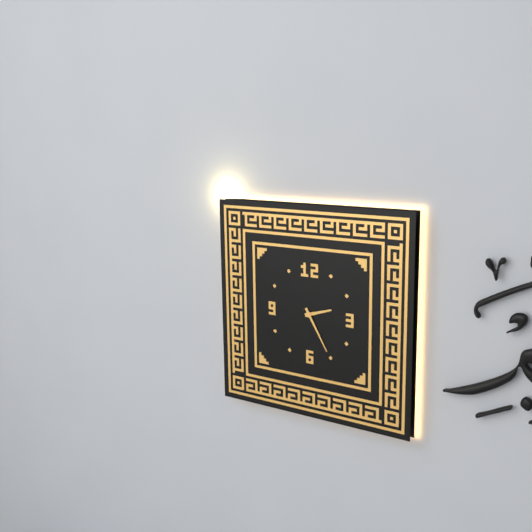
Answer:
2,25
